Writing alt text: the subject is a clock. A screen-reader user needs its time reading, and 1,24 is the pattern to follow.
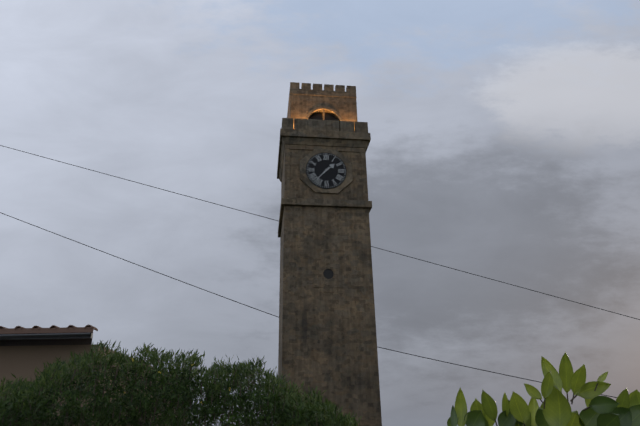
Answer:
1,37
